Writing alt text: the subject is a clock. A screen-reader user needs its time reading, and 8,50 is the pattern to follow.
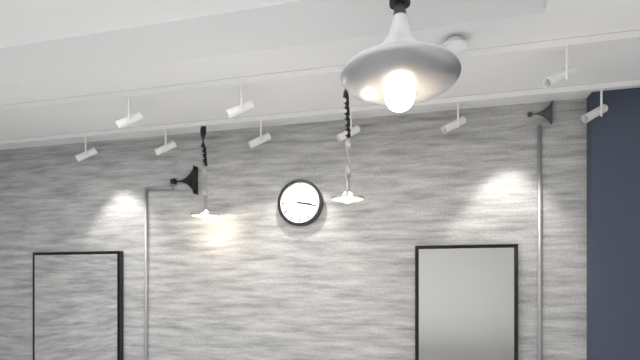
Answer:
3,17
